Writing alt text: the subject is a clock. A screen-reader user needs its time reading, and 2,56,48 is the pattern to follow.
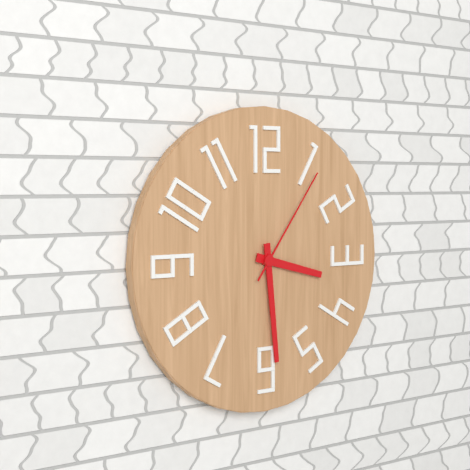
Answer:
3,29,06
